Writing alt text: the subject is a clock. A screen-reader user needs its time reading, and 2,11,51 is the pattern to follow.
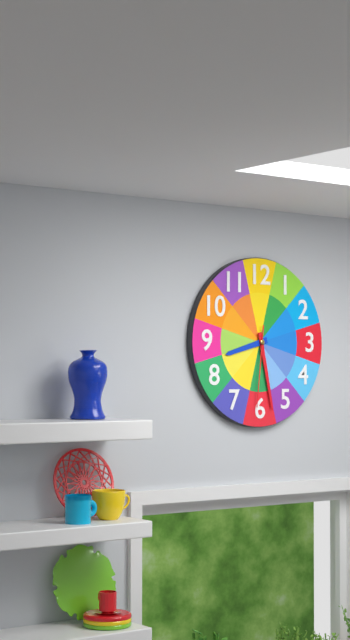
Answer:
8,28,31
